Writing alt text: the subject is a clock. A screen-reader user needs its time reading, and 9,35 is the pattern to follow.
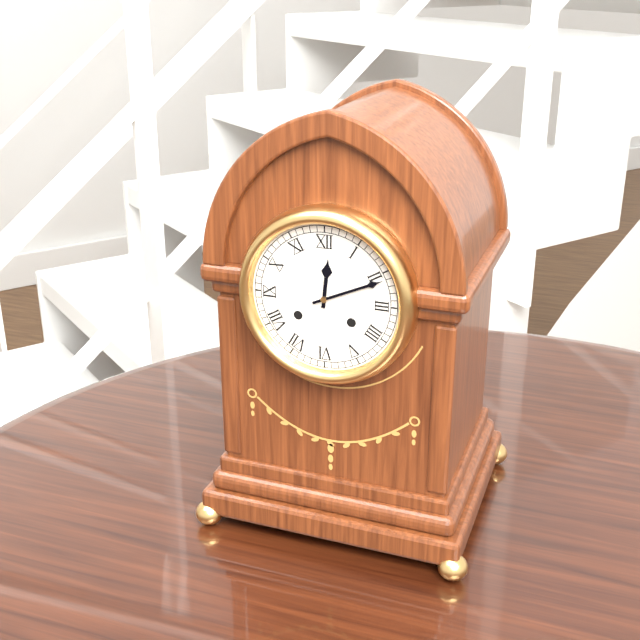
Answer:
12,11
